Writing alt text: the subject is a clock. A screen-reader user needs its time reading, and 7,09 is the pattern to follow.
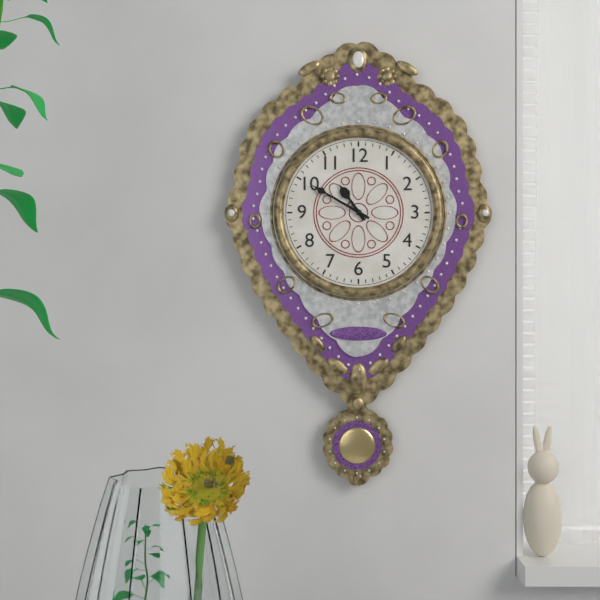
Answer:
10,50
